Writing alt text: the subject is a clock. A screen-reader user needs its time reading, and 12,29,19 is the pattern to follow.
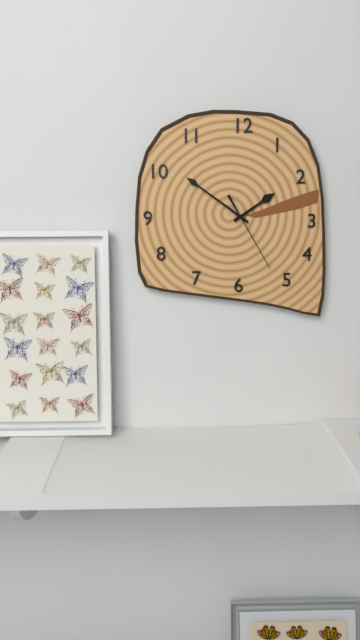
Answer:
1,51,25
